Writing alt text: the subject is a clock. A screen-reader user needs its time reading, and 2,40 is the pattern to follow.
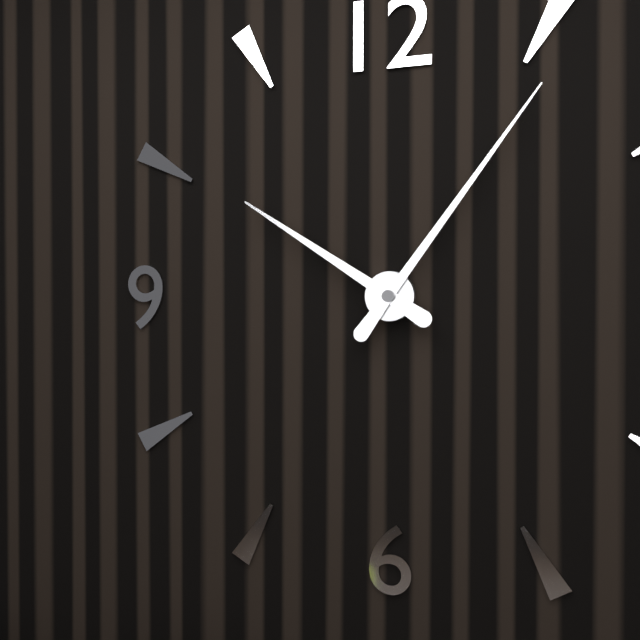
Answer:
10,06
